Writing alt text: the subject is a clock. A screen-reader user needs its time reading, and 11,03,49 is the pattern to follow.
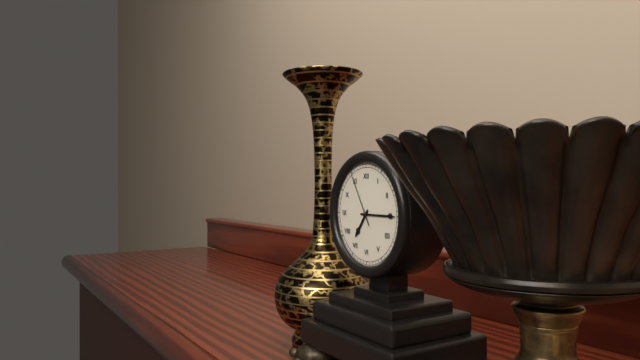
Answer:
7,15,55
